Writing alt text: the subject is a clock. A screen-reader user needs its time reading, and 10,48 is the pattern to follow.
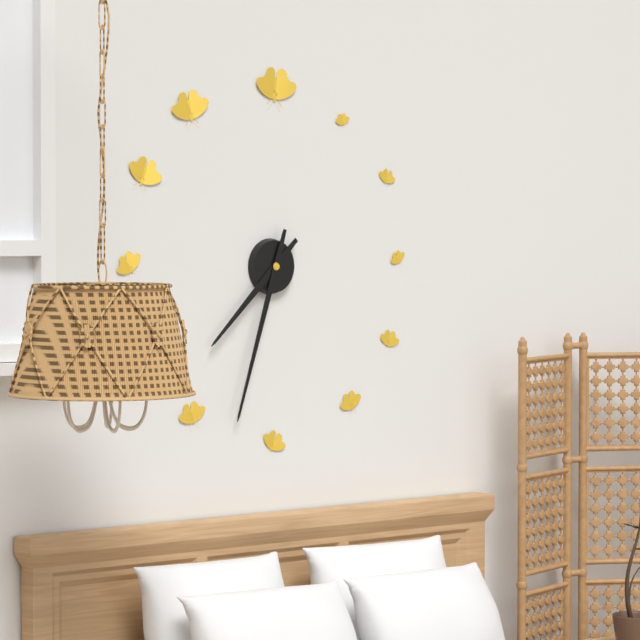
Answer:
7,33
